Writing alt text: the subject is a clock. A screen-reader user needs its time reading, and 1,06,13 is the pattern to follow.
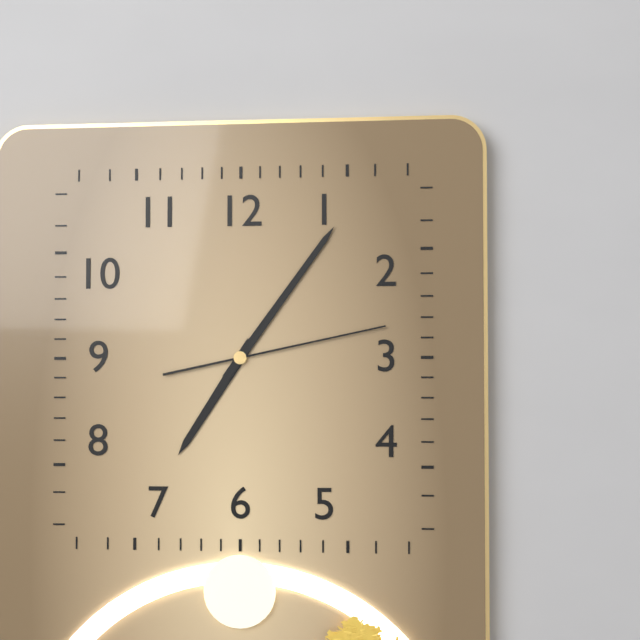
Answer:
7,06,13
